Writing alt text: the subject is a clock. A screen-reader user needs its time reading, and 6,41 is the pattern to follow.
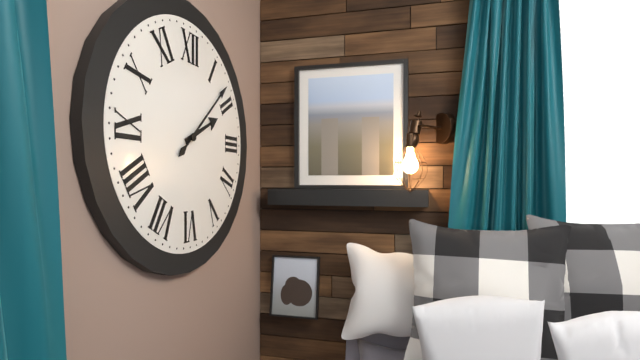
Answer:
2,08
